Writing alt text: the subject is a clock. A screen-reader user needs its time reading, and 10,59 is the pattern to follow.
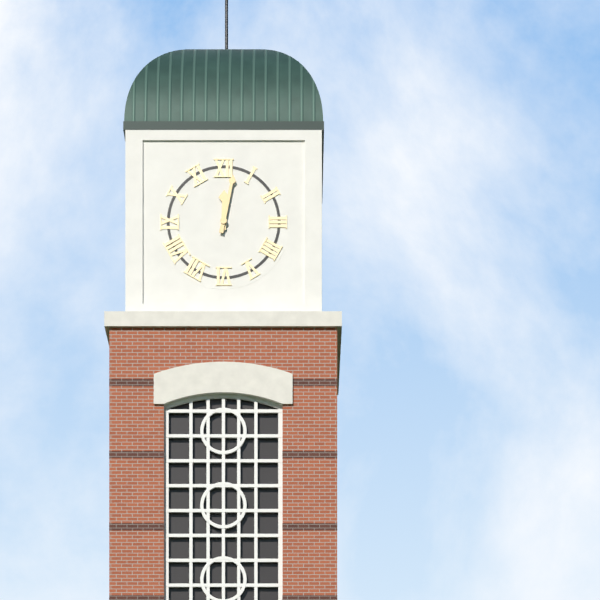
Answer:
12,02
